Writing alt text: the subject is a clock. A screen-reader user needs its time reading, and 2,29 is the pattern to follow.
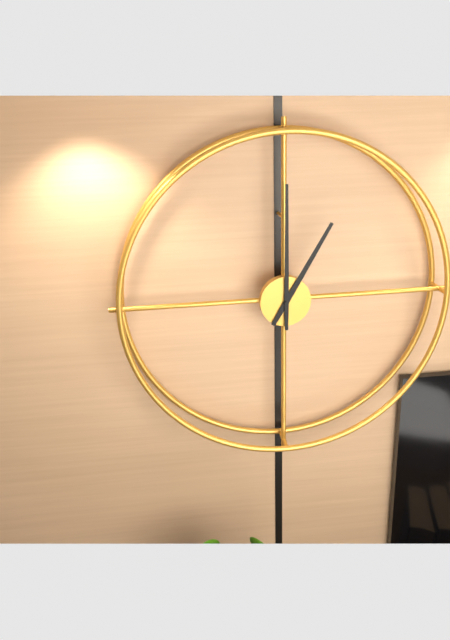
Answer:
1,00
